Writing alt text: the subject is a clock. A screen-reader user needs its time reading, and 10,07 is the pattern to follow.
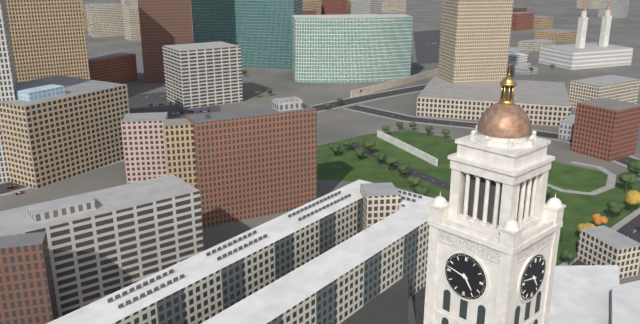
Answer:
4,47
